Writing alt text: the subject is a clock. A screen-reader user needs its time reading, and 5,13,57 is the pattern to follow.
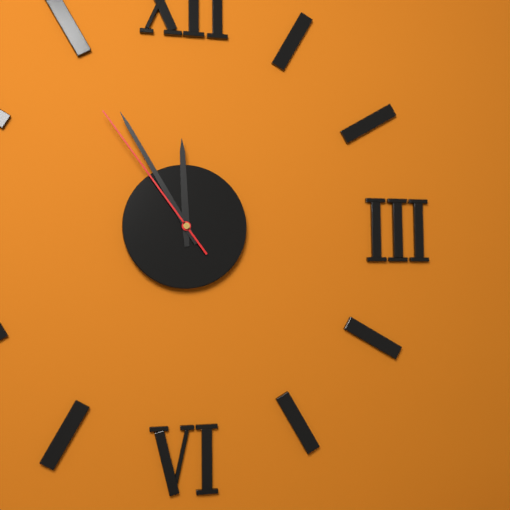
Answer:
11,55,54
